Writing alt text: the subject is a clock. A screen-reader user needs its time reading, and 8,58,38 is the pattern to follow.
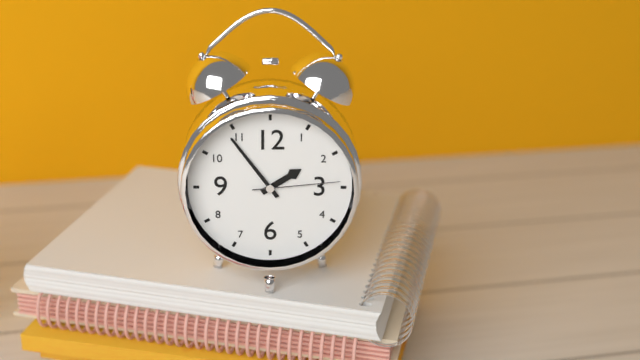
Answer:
1,54,14
